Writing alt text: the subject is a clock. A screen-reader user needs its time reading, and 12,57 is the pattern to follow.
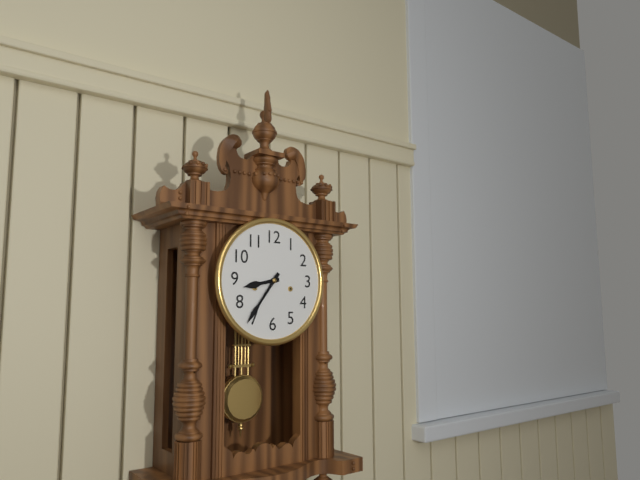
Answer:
8,36
